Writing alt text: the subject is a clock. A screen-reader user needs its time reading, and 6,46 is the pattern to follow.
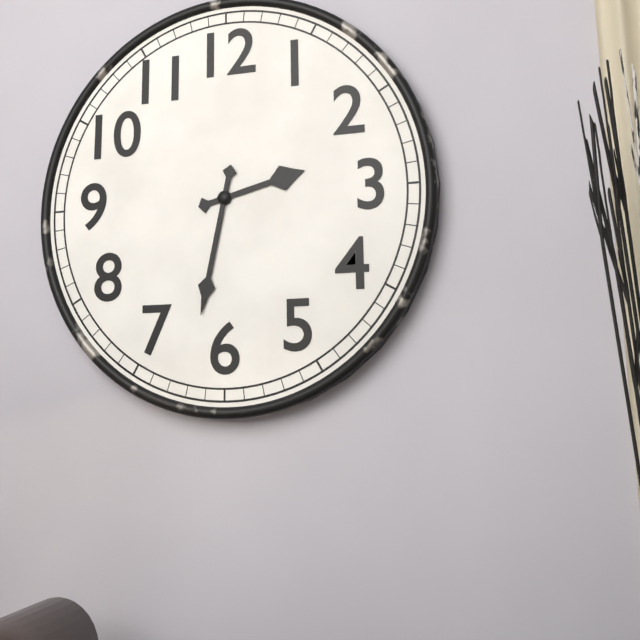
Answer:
2,32
